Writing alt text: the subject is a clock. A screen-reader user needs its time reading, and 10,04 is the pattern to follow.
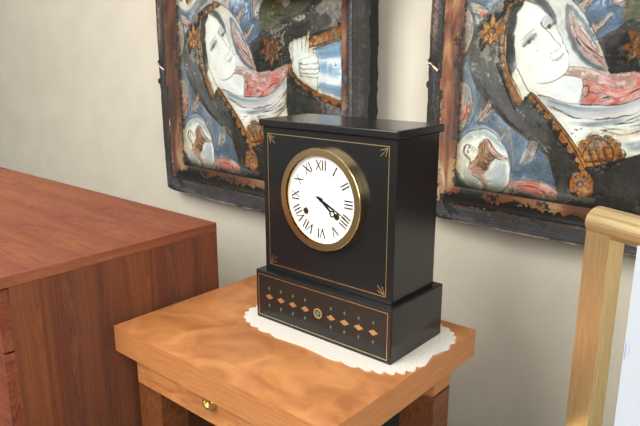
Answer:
4,19
